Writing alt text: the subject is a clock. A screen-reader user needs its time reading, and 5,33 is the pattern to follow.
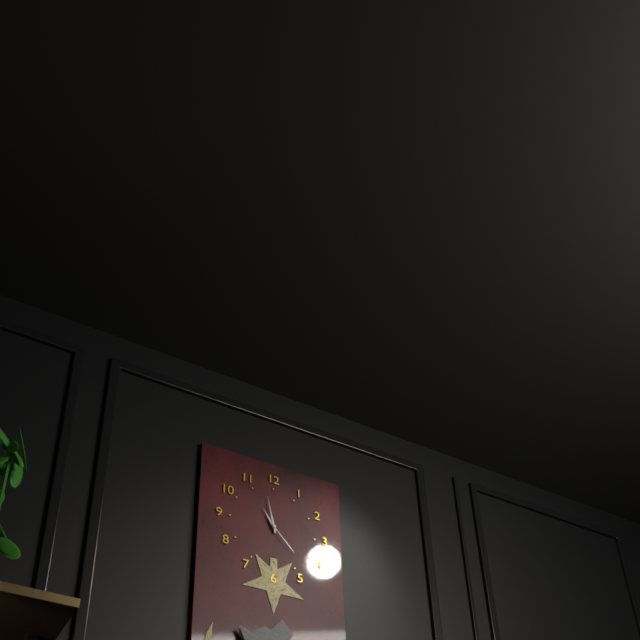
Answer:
10,58
